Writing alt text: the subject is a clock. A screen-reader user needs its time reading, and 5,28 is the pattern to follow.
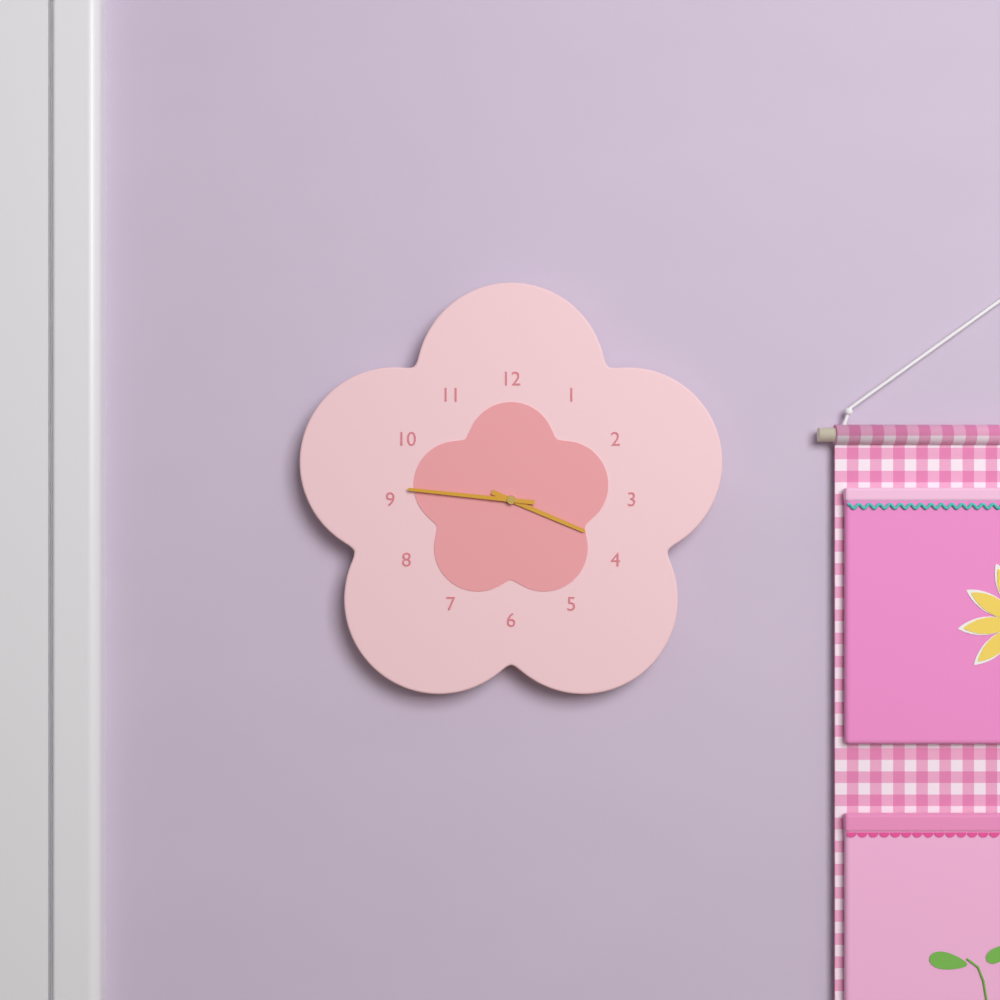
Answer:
3,46
